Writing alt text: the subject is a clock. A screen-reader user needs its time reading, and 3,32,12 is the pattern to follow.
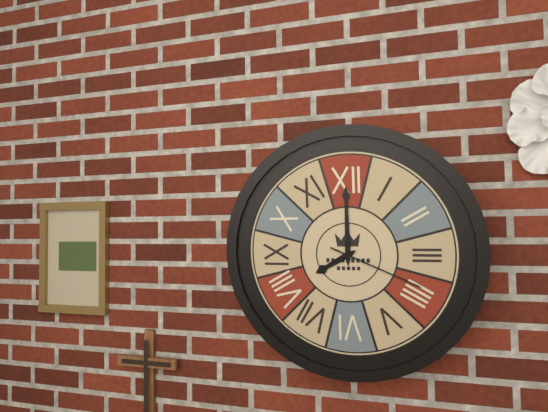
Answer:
8,00,19
